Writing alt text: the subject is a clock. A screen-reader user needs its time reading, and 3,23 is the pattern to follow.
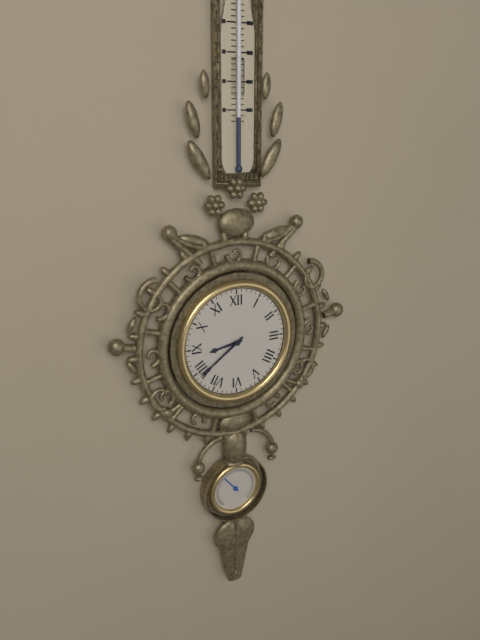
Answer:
8,39
